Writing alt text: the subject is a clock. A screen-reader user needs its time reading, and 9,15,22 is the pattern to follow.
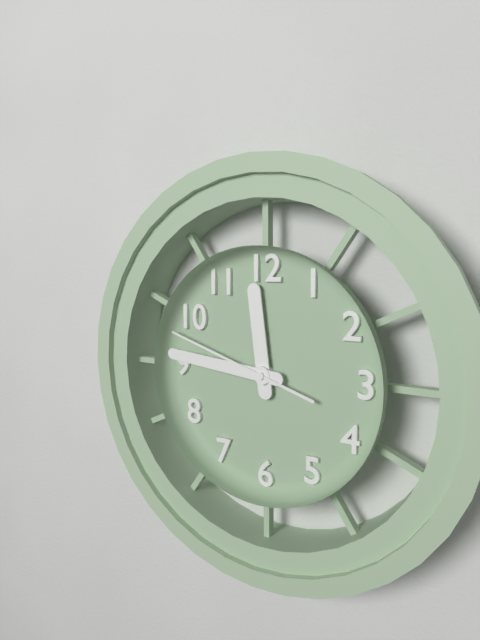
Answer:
11,46,48
